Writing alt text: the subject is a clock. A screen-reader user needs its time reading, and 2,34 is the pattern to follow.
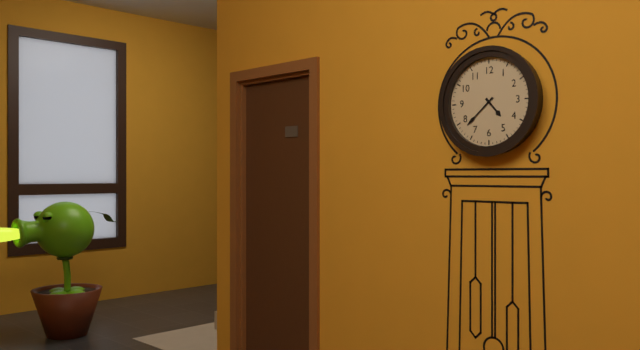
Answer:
4,38
